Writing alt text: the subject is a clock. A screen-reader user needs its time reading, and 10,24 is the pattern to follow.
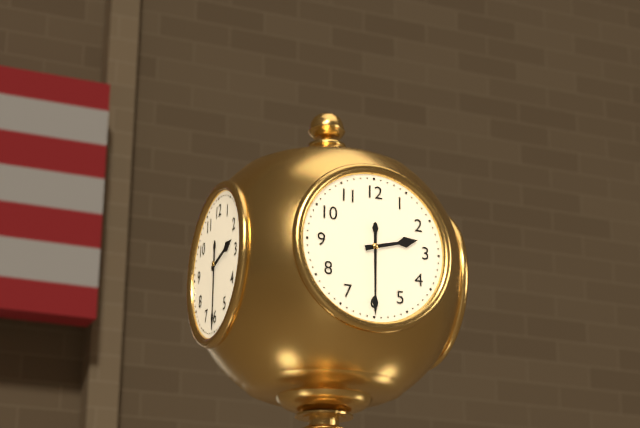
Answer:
2,30
